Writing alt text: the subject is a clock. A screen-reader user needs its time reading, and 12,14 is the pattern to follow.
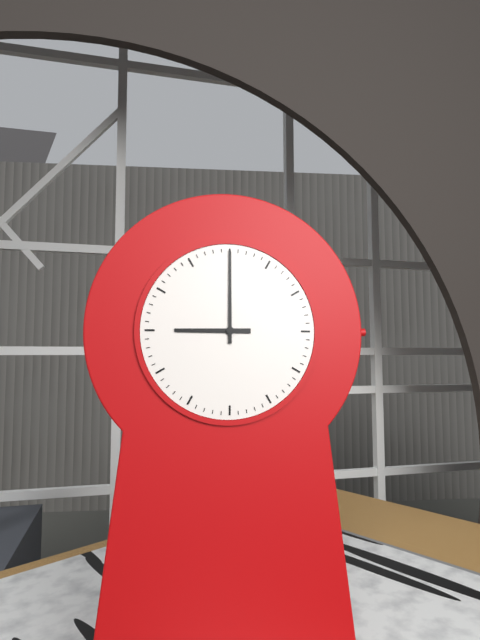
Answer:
9,00
